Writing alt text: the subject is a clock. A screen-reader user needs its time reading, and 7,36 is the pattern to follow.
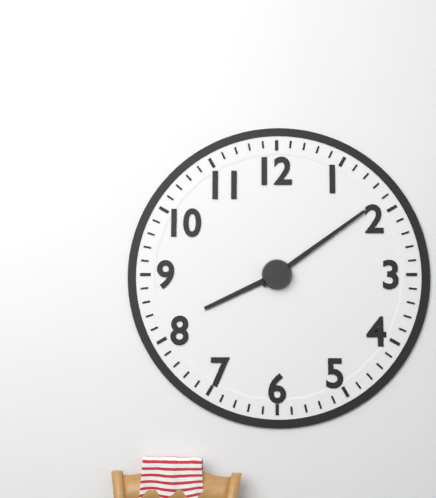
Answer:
8,09
